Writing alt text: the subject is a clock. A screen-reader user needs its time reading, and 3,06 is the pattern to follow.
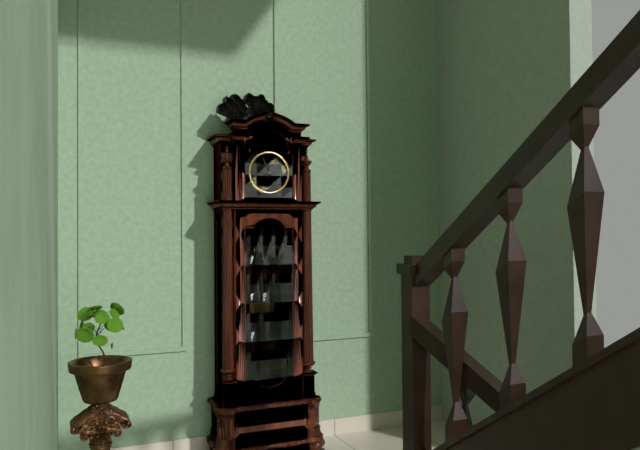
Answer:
11,56
